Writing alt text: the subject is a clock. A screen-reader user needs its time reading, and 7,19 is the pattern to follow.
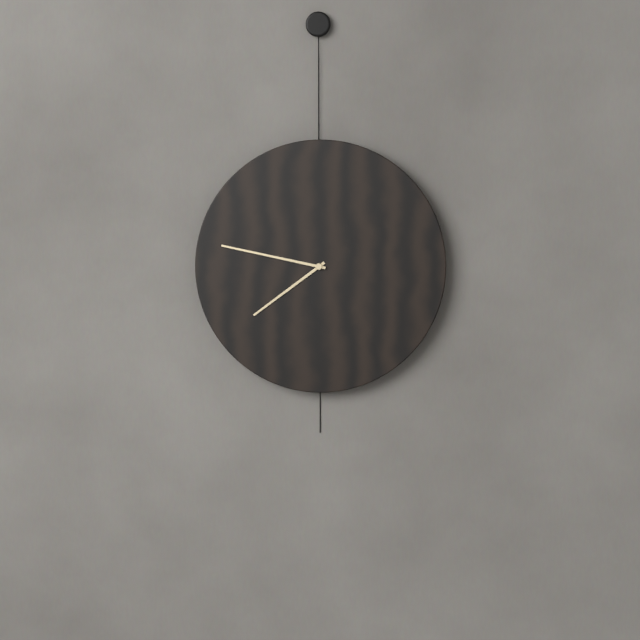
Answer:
7,47
